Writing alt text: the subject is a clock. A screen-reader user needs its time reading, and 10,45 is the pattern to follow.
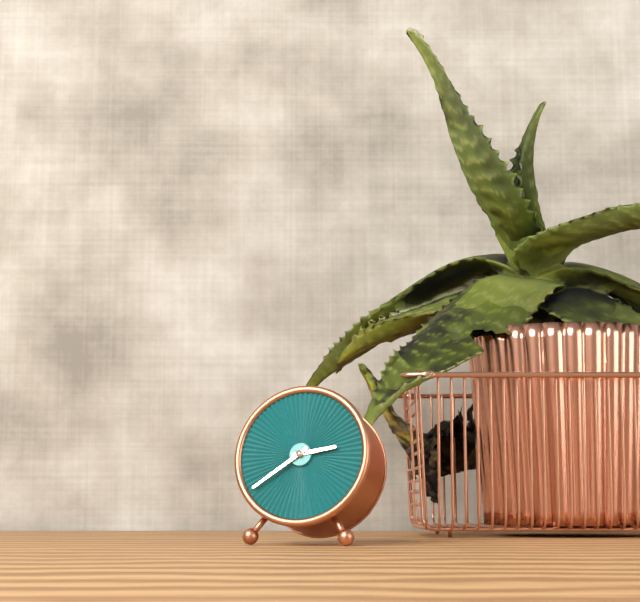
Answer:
2,39
